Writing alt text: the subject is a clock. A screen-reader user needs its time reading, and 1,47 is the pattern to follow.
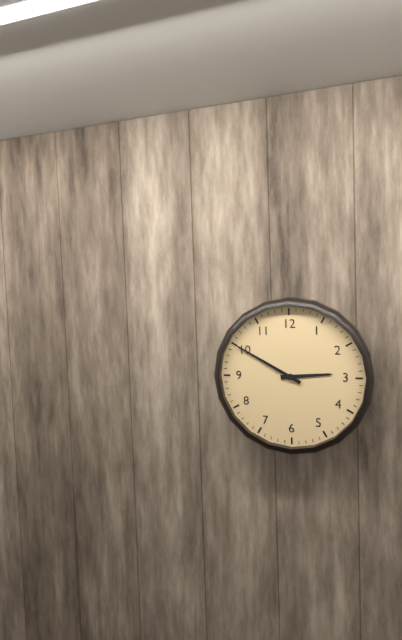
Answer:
2,50
